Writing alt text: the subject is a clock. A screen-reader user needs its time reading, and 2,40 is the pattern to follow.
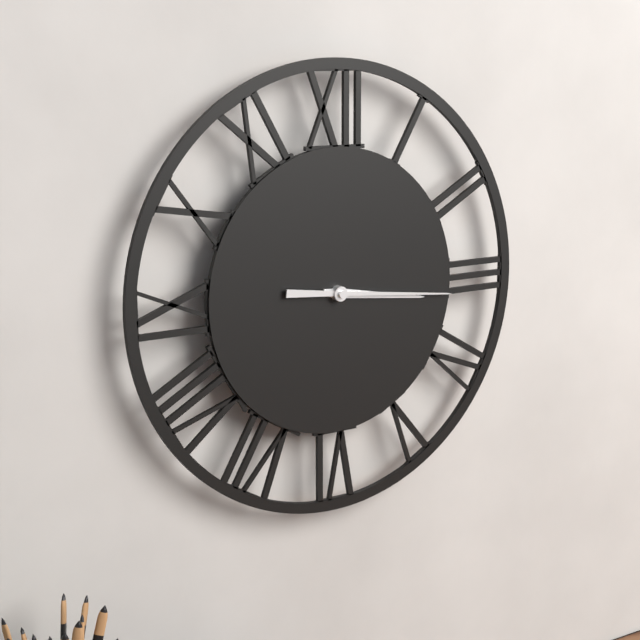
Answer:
3,16
